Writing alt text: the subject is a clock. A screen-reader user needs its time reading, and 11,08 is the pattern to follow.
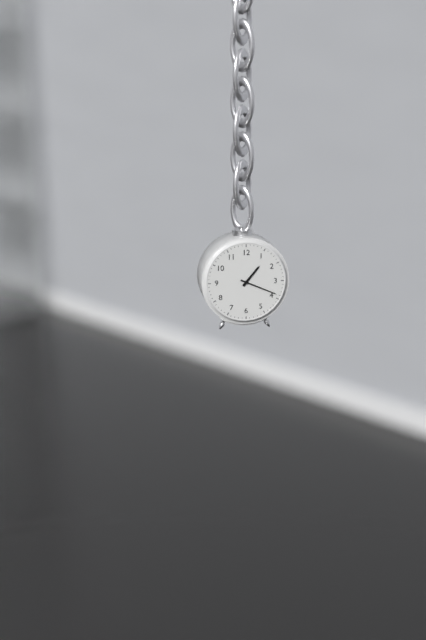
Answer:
1,19
